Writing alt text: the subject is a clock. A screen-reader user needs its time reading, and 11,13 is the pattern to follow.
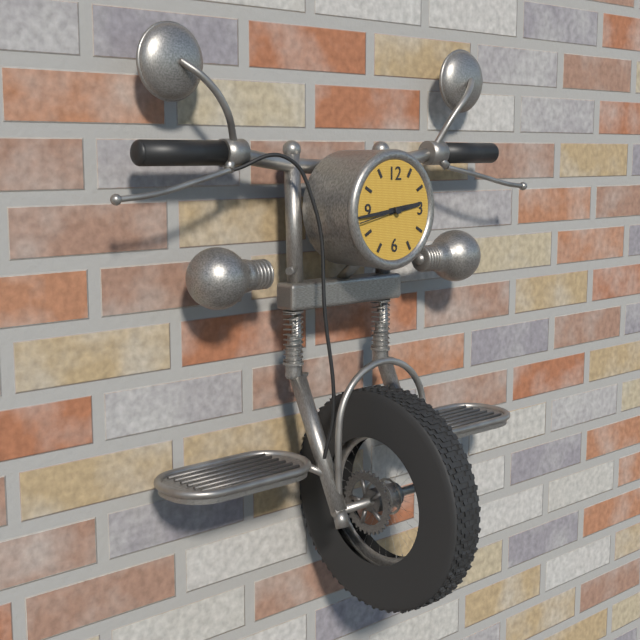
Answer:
2,44
